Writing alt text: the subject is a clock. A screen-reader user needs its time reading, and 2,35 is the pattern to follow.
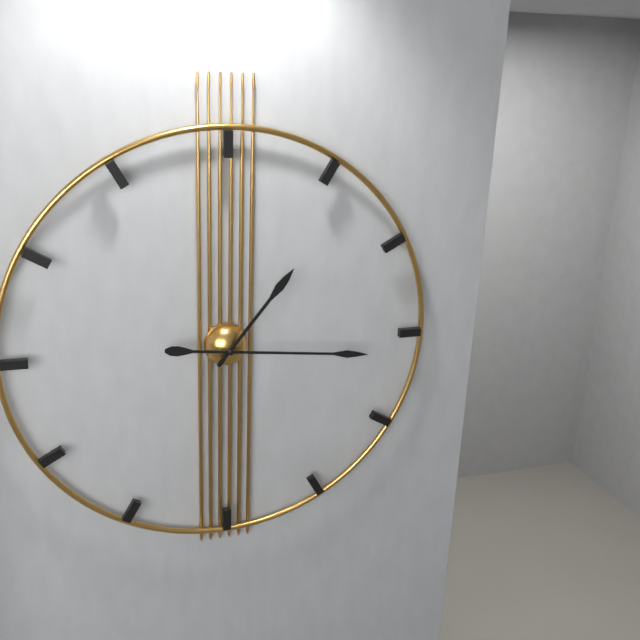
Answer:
1,16
